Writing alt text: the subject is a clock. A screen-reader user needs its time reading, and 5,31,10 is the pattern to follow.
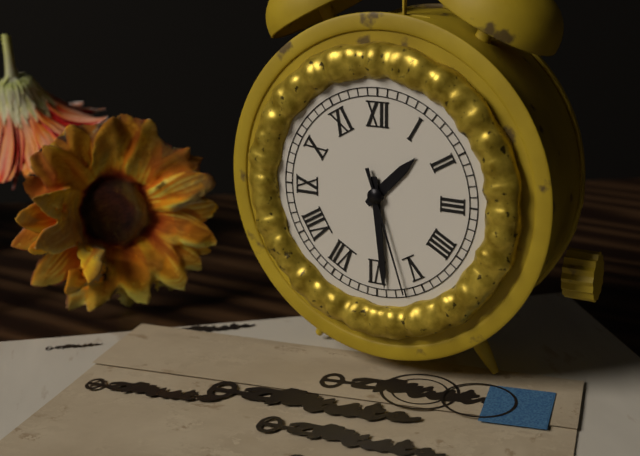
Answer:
1,29,27
